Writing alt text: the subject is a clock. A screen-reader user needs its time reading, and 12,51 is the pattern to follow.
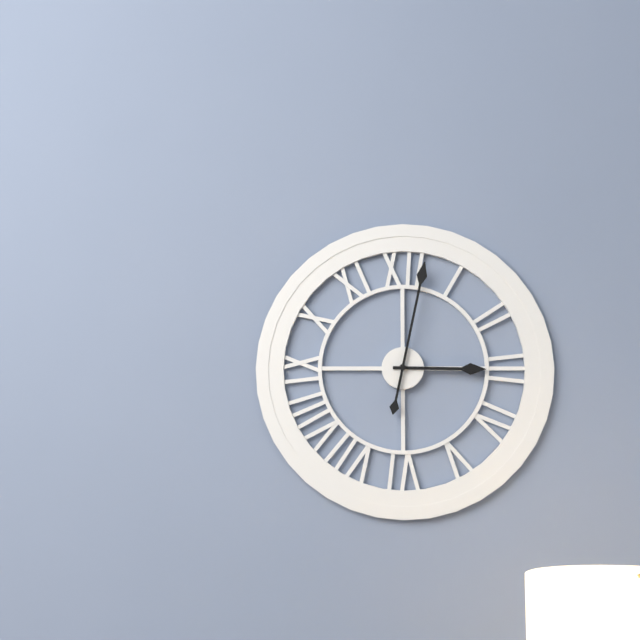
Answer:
3,02
